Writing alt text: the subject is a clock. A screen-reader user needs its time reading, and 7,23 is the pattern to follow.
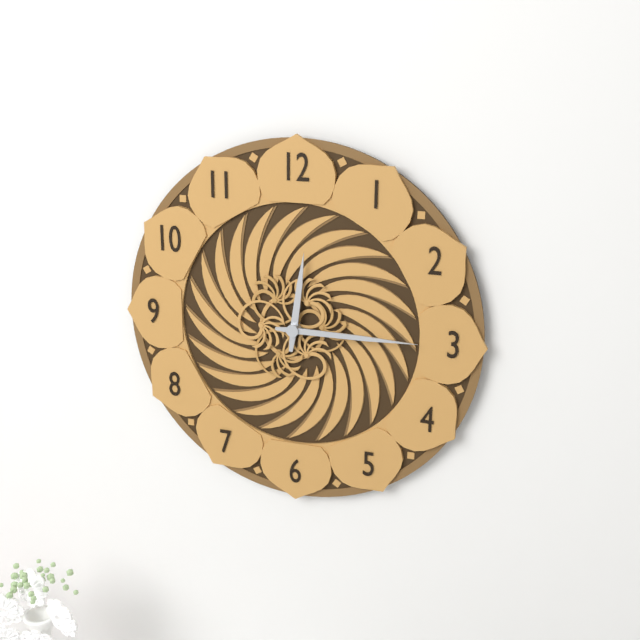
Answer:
12,15
